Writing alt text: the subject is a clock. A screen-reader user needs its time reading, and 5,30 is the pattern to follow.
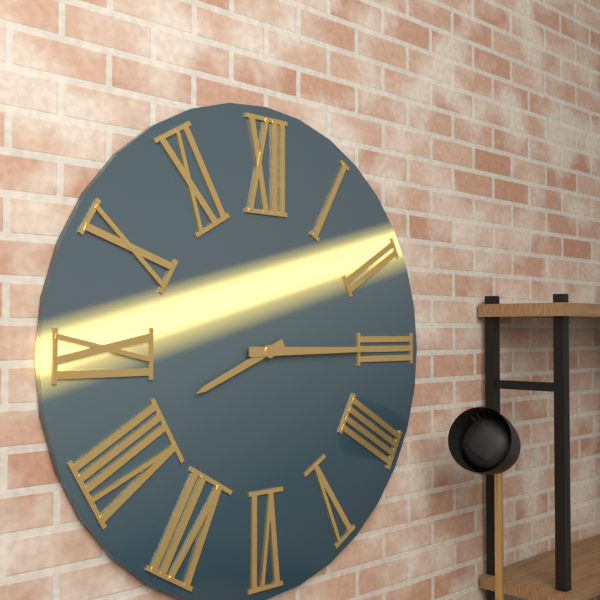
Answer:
8,15
